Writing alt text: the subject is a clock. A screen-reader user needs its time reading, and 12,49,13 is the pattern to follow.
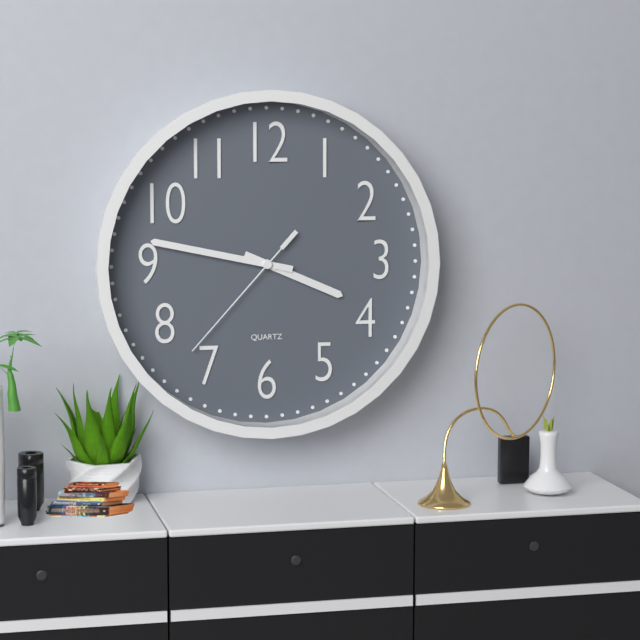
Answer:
3,47,37
